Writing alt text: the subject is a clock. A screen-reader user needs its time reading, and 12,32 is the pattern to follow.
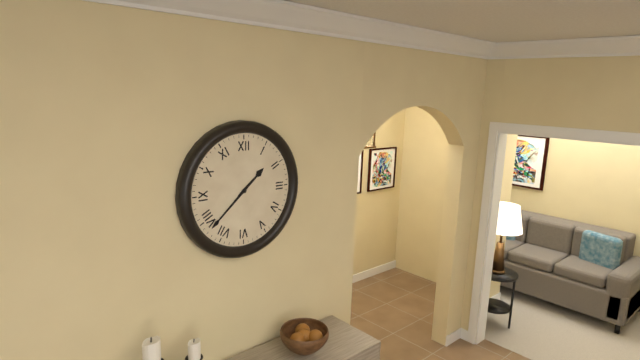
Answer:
1,38
